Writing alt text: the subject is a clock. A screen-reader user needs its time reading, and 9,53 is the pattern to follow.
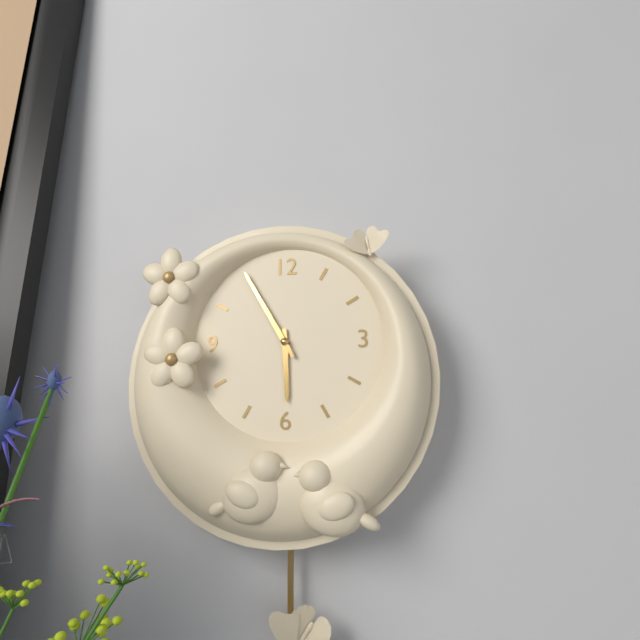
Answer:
5,55
